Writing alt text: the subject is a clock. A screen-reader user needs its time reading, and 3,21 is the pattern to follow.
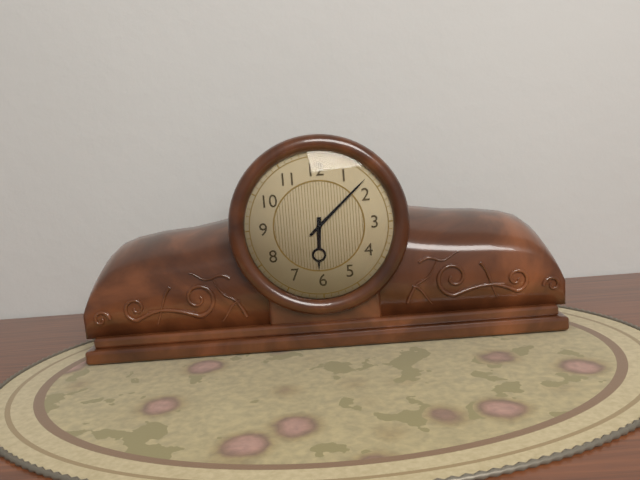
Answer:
6,08
